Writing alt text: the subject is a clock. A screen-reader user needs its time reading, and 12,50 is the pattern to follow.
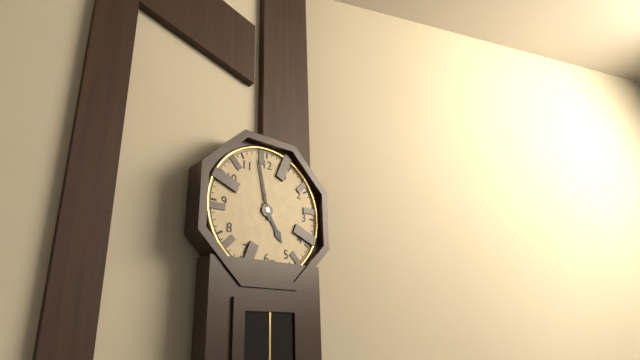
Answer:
4,58
